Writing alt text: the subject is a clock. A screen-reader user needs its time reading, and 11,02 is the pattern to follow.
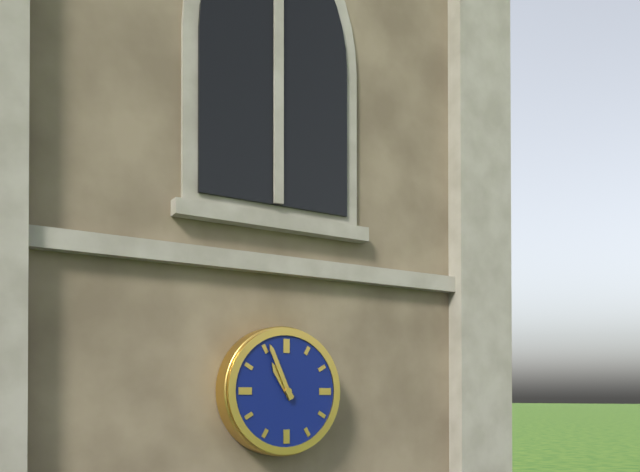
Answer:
10,56
